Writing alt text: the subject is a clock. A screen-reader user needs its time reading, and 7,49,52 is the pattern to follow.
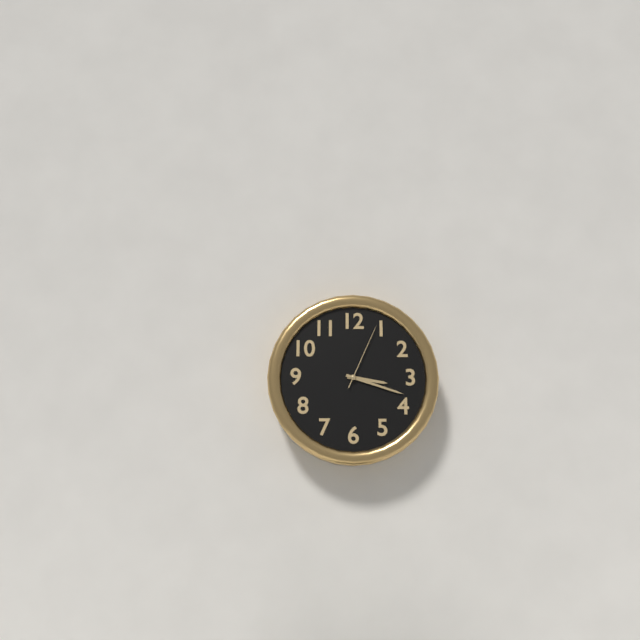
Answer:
3,18,04
